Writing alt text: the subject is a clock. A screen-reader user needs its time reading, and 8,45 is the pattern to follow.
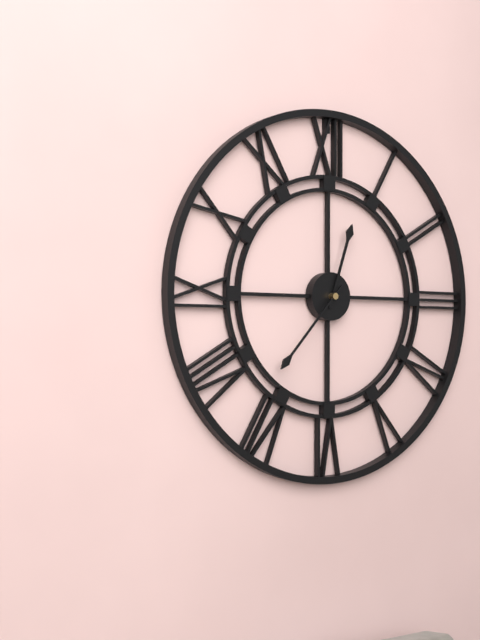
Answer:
12,37
